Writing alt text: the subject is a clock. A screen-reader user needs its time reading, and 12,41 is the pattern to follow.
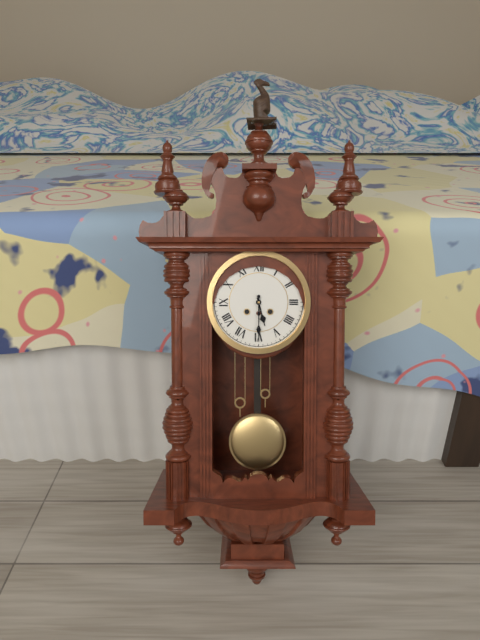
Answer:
5,30
